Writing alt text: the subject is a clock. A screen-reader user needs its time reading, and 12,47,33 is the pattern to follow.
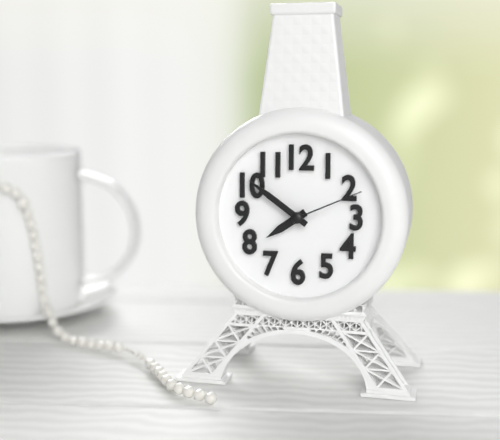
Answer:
7,51,11
